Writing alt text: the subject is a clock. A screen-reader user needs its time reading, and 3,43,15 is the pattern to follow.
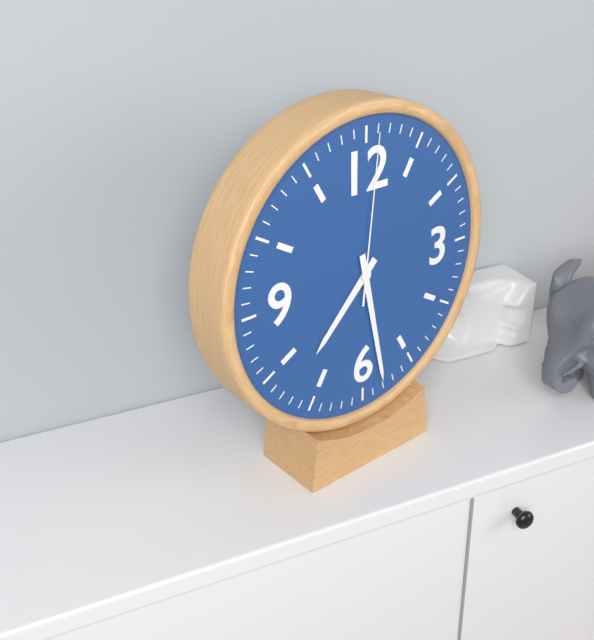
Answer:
7,28,01
